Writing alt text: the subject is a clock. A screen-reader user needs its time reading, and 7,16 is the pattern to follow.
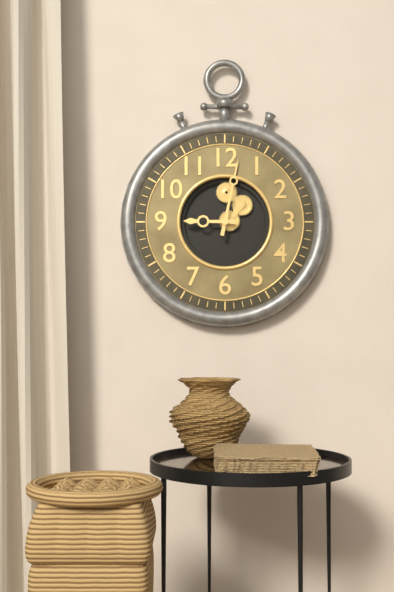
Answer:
9,02
